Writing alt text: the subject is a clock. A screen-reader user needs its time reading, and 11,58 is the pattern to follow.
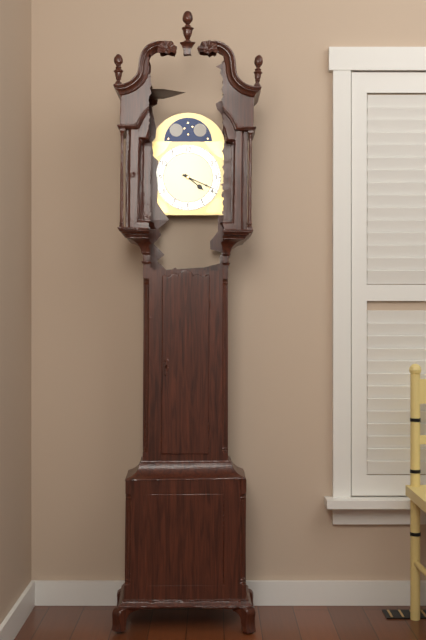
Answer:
4,19
